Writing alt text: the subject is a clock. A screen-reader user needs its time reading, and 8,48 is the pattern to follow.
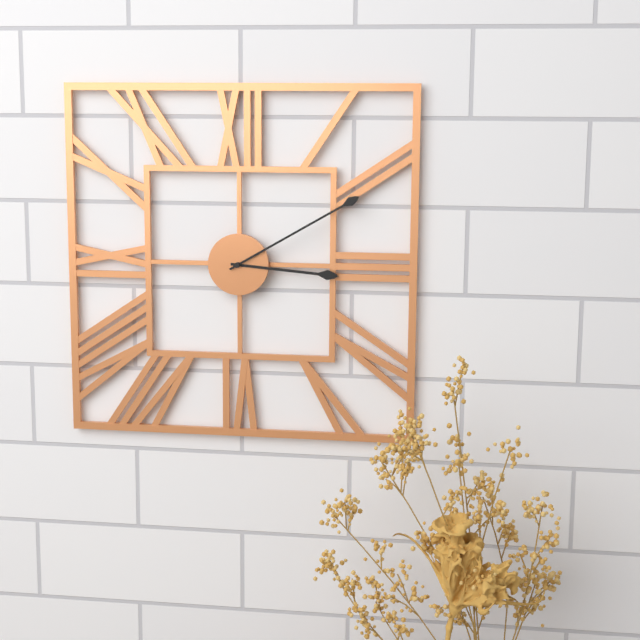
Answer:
3,10
